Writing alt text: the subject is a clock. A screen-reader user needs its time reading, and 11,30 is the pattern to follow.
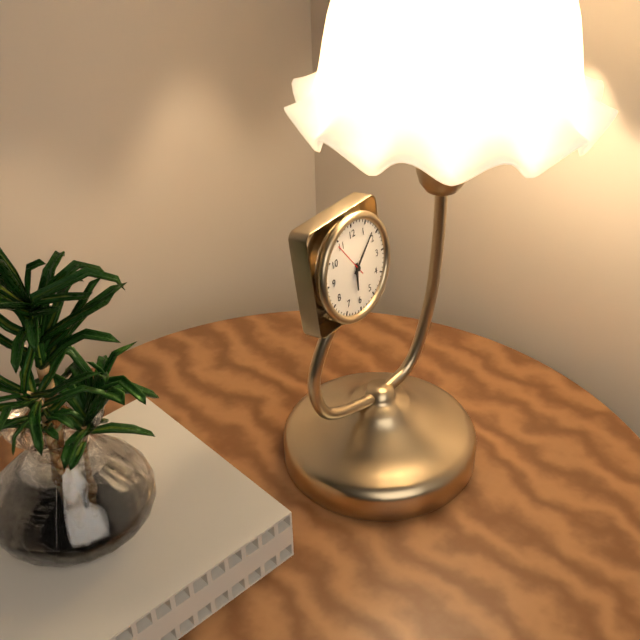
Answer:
6,08
